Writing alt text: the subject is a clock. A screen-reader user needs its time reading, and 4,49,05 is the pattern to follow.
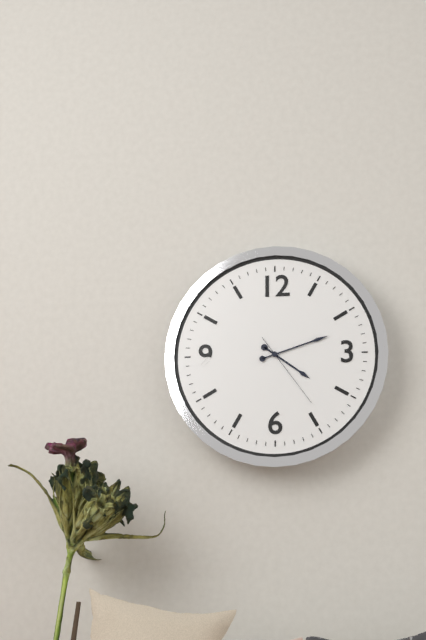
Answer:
4,12,24
